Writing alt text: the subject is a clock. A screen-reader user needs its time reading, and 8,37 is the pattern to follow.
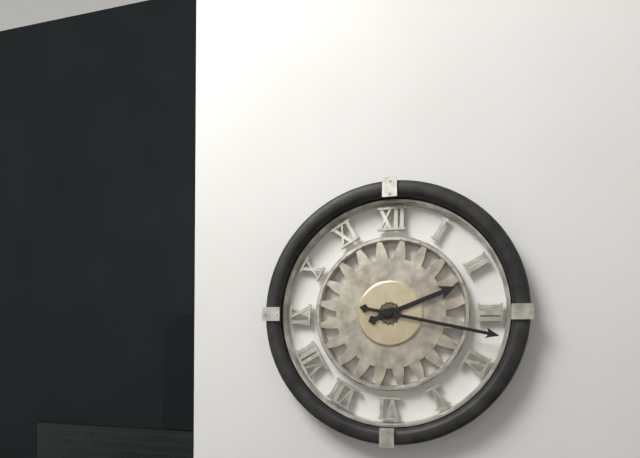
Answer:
2,17
